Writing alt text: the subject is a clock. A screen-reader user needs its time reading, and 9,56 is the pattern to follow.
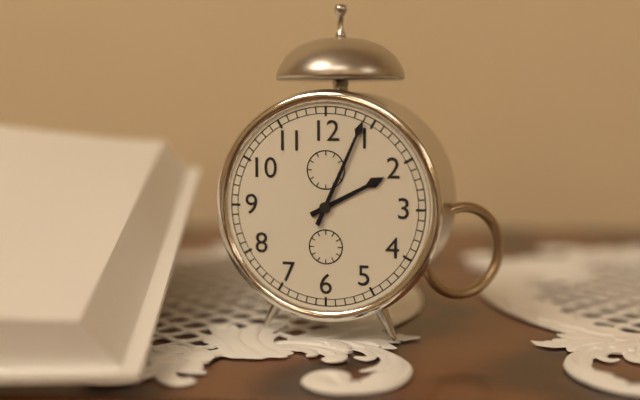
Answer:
2,04
